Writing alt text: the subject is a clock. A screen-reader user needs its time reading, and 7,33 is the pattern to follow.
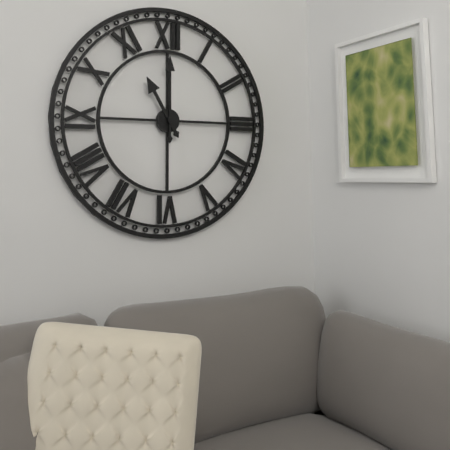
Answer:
11,00
